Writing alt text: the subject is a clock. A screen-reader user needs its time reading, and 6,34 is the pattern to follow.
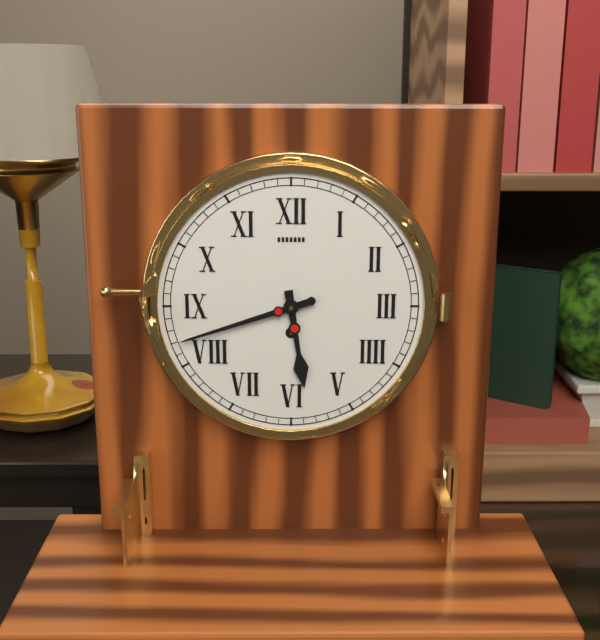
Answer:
5,42
